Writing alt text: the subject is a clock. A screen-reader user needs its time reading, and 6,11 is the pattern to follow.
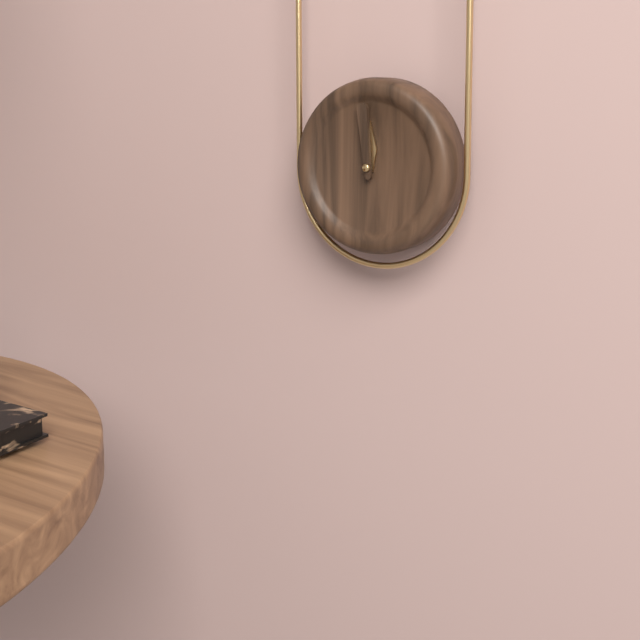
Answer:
11,59
